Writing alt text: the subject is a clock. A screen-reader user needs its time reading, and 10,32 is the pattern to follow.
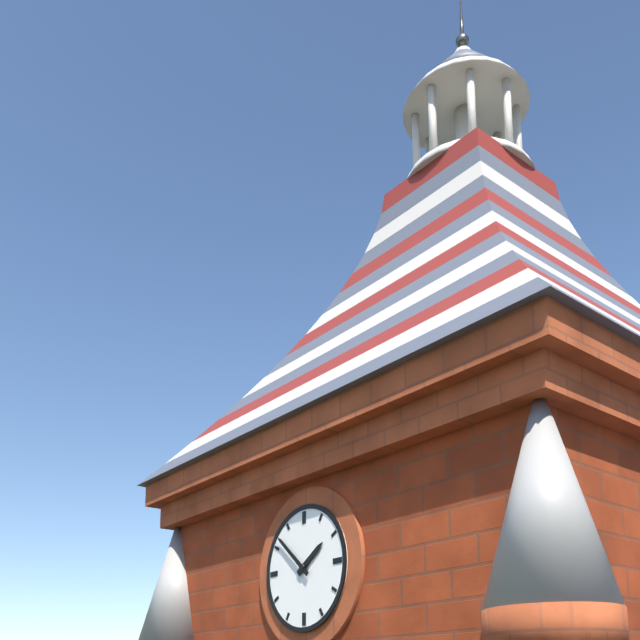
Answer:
1,52
